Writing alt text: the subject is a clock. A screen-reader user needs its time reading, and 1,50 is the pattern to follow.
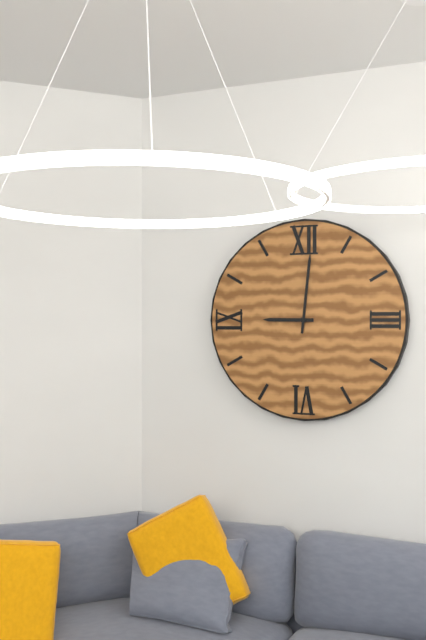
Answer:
9,01
